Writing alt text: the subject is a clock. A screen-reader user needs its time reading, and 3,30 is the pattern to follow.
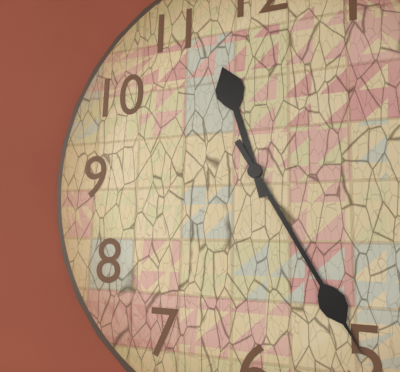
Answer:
11,25
